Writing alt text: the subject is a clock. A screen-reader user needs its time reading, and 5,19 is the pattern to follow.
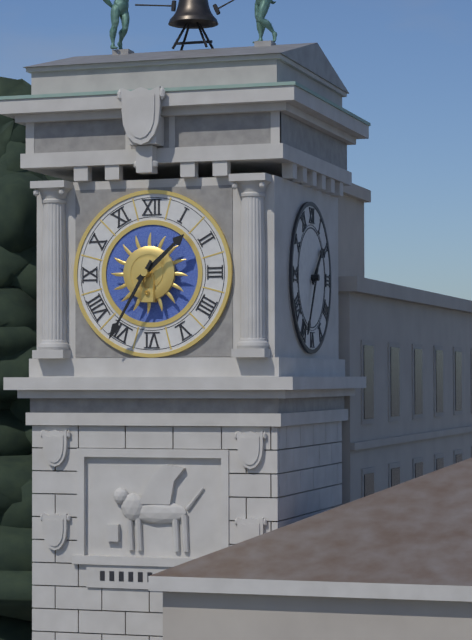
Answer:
1,35
